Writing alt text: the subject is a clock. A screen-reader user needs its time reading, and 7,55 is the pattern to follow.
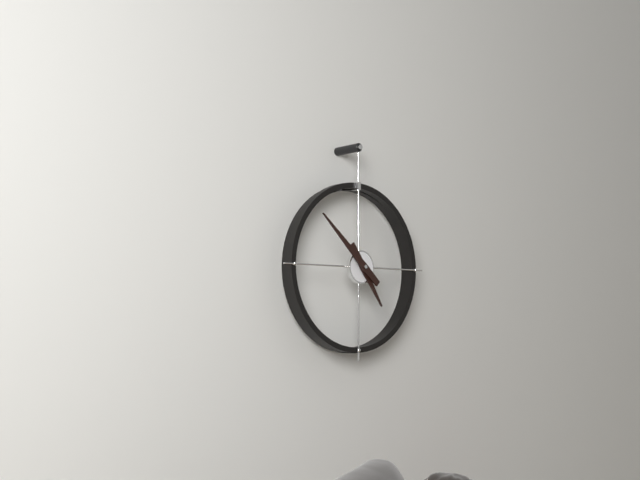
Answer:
4,52
